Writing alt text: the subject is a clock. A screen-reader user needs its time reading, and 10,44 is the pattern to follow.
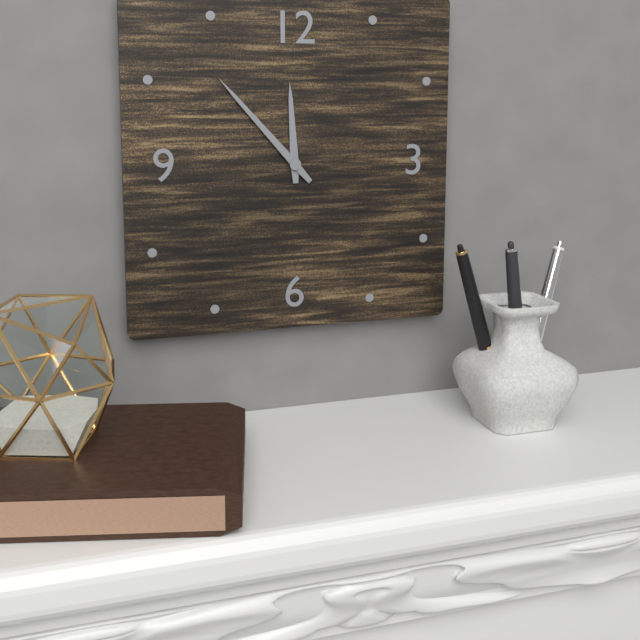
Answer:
11,53
